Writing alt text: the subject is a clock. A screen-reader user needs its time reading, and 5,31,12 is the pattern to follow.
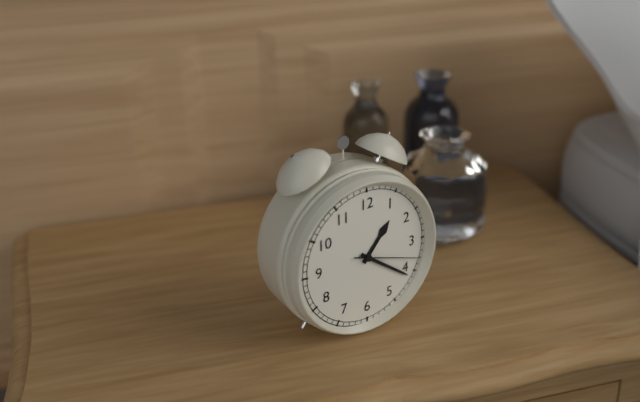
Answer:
1,21,18
